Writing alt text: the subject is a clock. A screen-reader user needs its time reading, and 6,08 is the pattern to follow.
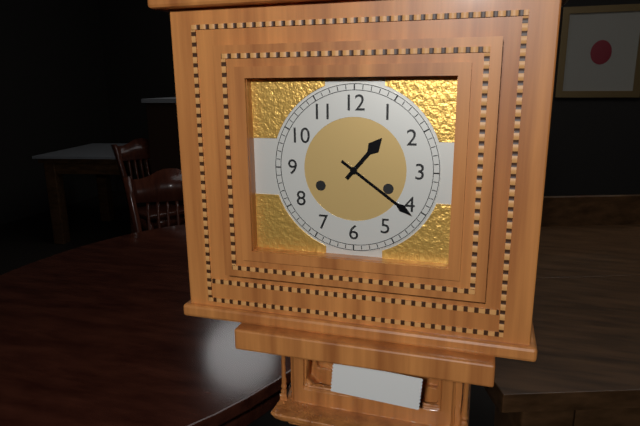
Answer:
1,21
